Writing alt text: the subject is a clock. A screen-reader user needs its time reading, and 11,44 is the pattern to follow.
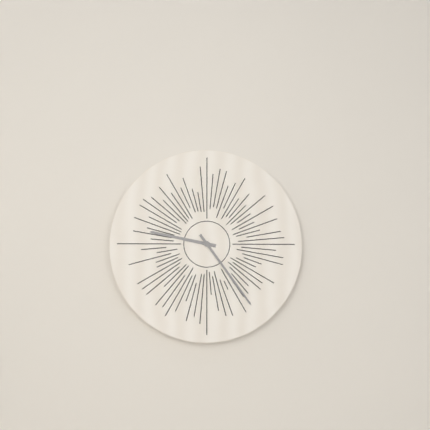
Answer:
9,24
